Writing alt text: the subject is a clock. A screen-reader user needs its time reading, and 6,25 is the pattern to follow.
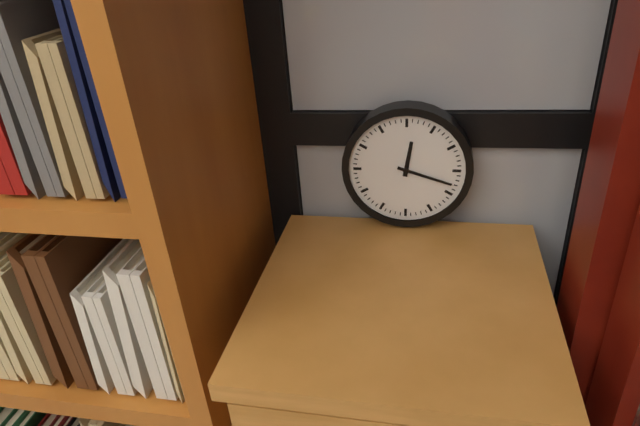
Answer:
12,18
